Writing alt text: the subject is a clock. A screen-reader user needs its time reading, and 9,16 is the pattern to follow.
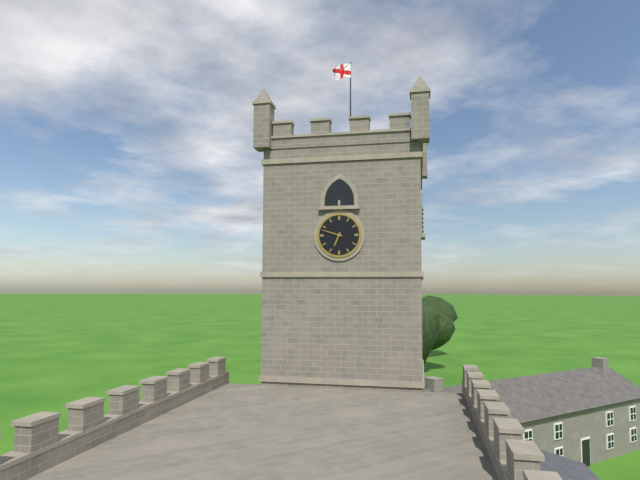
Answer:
6,48
